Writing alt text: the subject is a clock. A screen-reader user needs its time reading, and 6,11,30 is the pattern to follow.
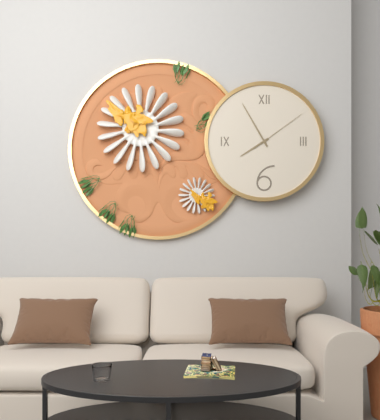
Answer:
7,55,09
